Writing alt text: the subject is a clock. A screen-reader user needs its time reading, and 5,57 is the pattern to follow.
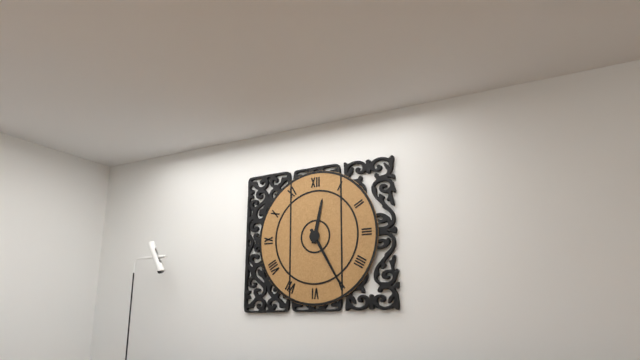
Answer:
12,25
